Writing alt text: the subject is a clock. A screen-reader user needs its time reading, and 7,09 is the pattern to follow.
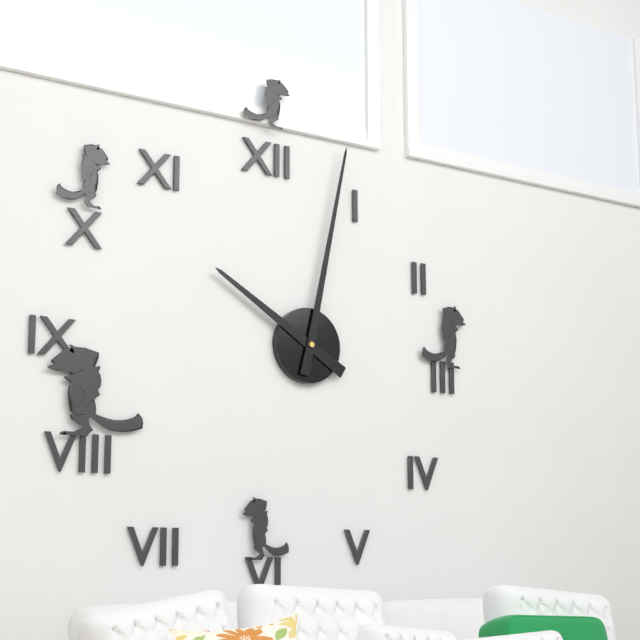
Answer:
10,02
